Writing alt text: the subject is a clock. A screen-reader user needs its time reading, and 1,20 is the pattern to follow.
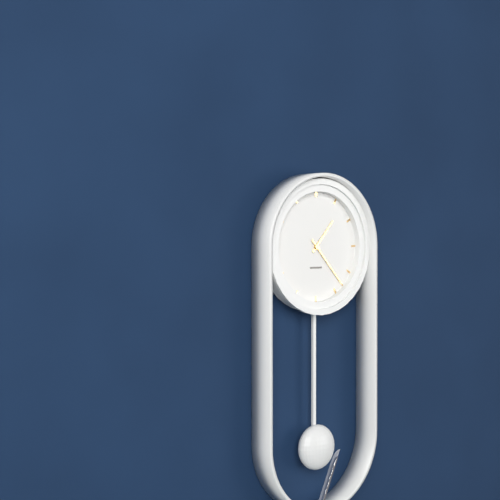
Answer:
1,23
